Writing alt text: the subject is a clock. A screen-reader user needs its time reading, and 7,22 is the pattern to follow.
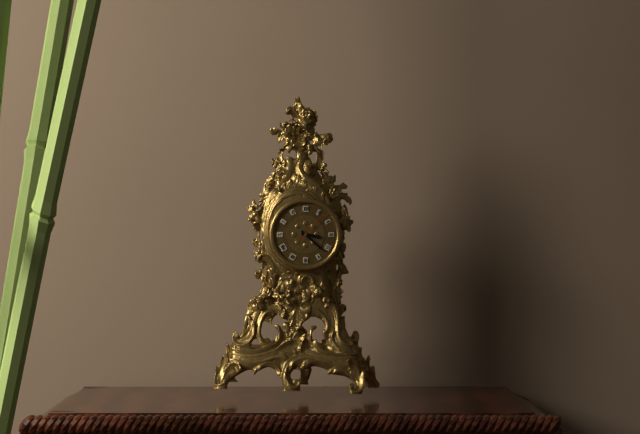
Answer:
3,22
